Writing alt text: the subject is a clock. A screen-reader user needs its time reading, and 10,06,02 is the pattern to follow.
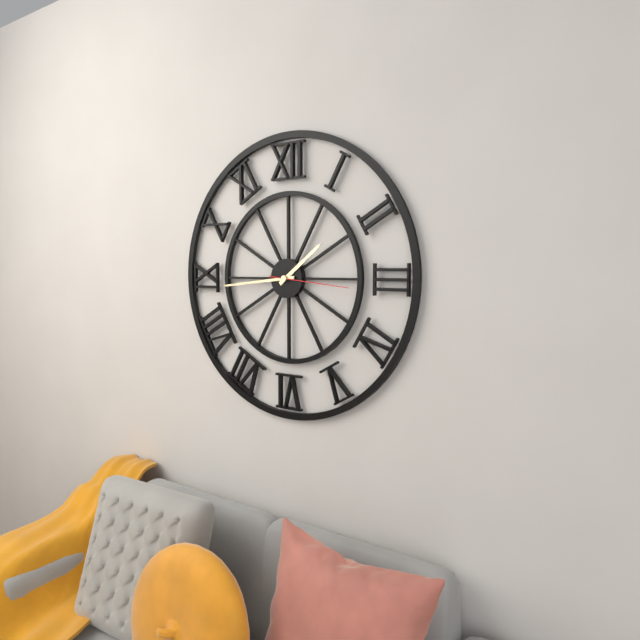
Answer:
1,44,16
